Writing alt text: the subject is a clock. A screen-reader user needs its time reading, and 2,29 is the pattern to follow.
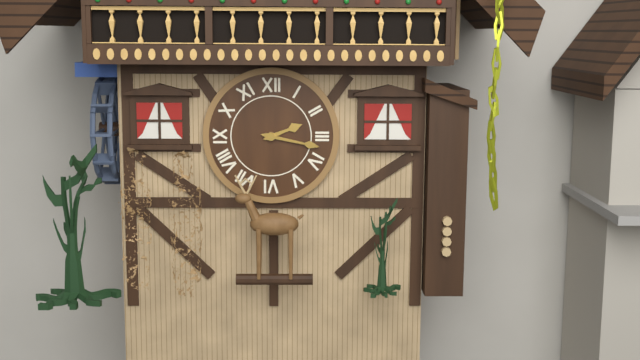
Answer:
2,17
